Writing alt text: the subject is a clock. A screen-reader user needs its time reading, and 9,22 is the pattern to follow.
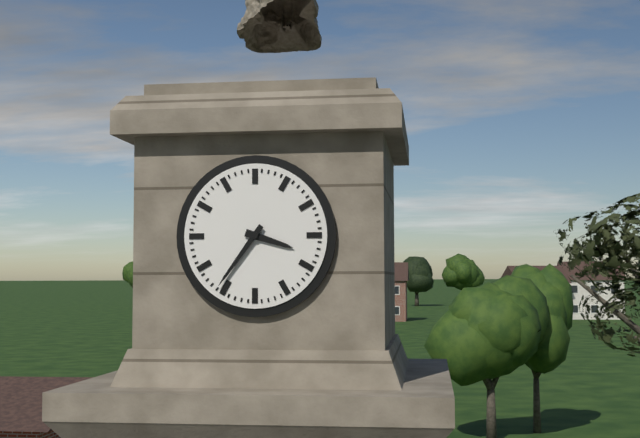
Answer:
3,36
